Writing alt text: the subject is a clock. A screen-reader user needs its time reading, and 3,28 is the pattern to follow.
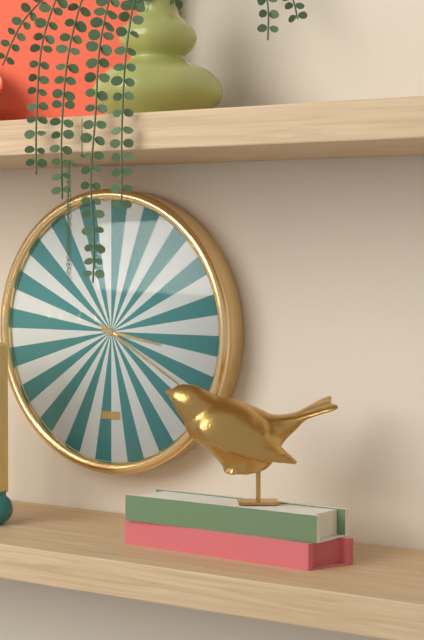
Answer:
3,20
